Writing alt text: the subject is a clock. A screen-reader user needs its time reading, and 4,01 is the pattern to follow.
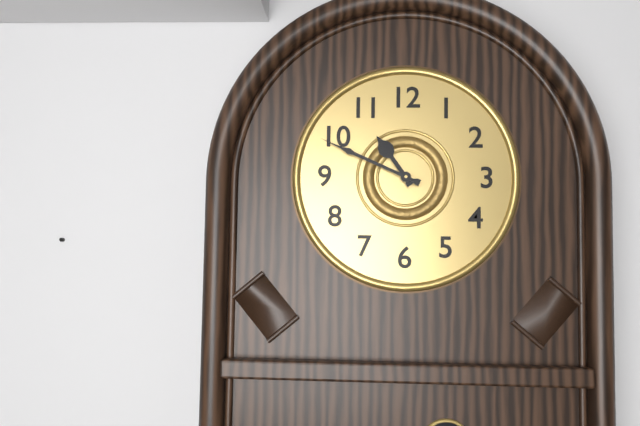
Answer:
10,49
